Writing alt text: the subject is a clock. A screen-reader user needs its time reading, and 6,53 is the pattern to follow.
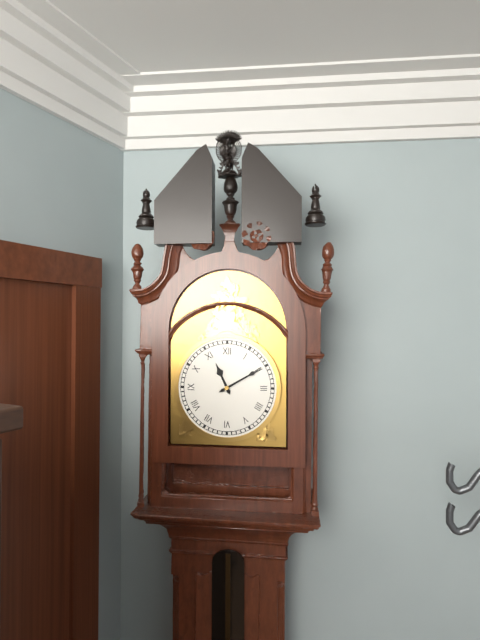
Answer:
11,10
